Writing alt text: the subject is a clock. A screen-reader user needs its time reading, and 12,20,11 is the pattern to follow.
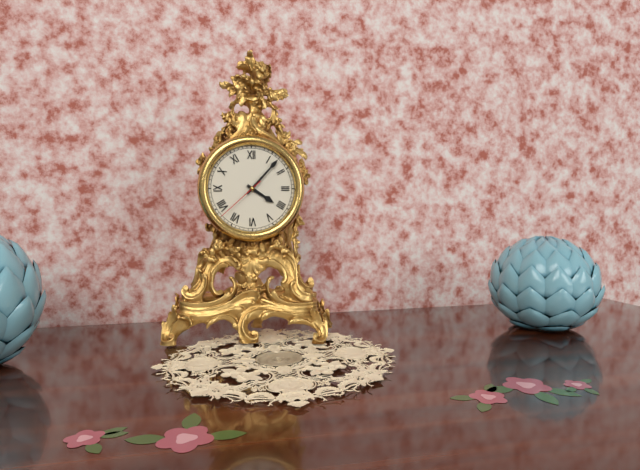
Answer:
4,07,38
